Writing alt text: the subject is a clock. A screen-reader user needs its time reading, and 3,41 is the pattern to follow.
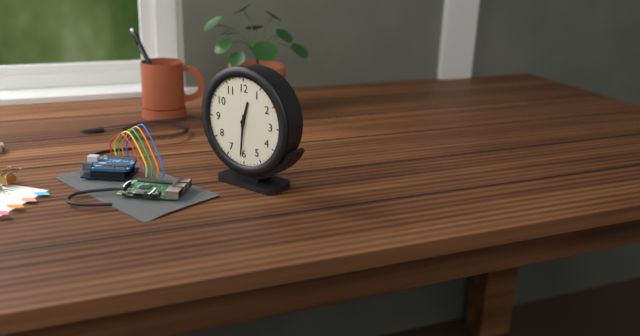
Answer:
12,31
